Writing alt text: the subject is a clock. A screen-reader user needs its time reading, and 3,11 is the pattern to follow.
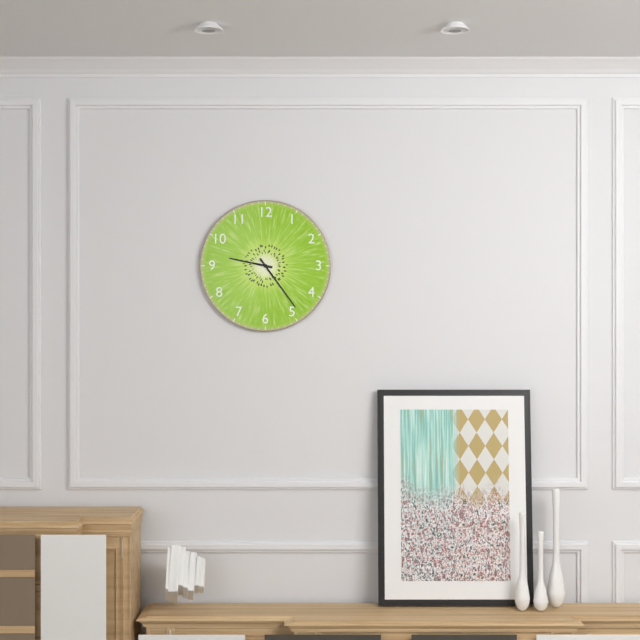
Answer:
9,24
